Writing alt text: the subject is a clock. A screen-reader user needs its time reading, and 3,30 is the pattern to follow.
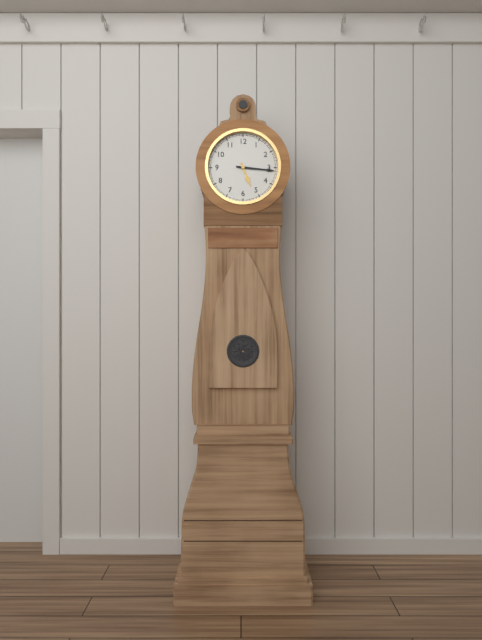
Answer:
5,16
